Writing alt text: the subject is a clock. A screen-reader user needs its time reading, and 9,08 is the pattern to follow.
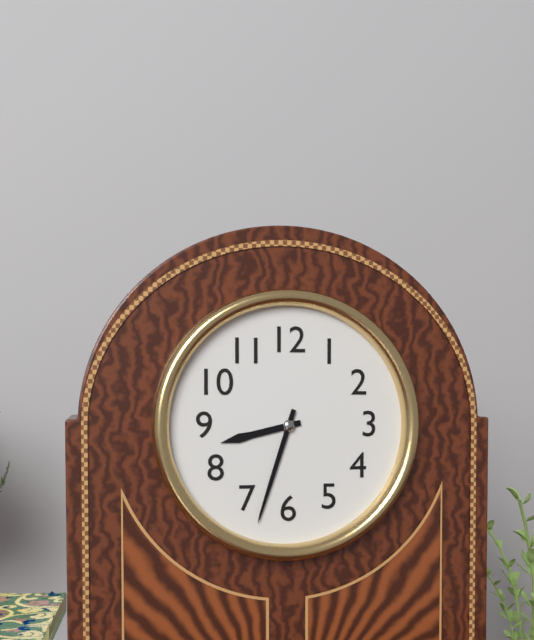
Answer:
8,33
